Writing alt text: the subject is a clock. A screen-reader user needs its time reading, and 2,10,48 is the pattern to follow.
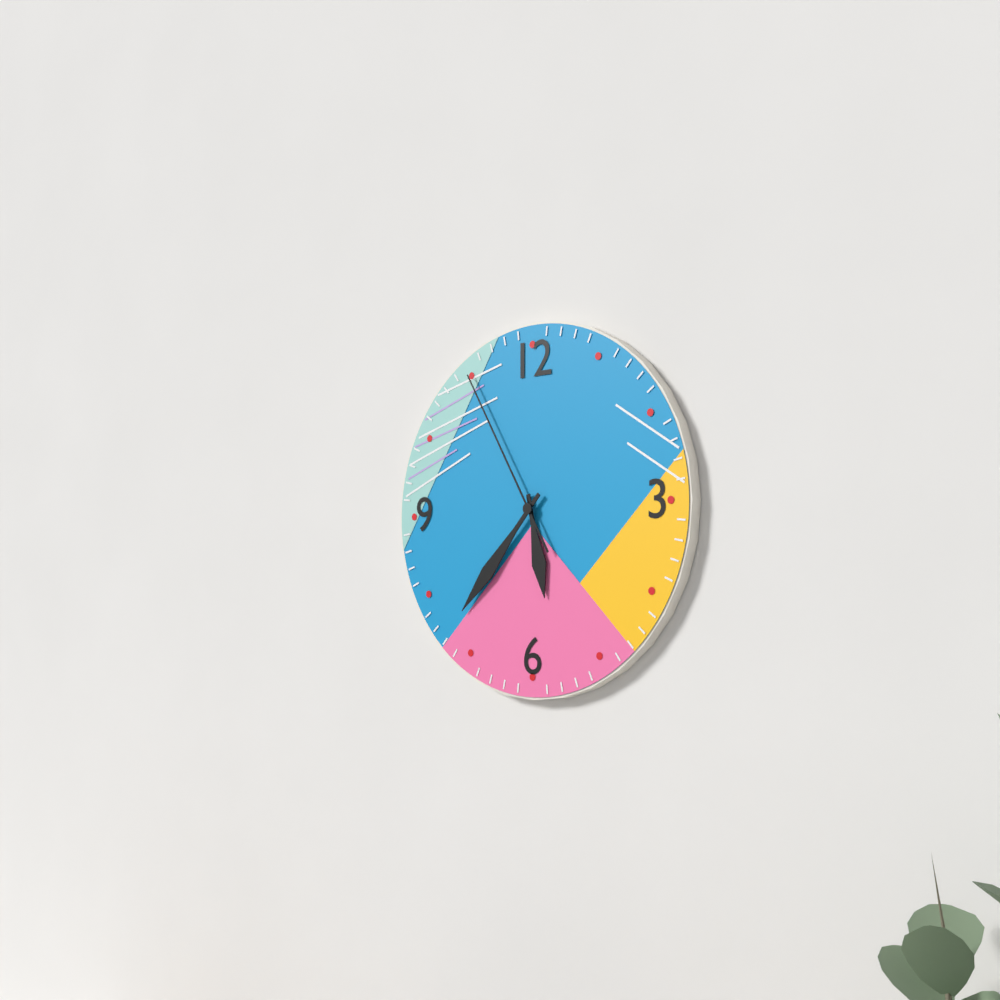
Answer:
5,37,55
